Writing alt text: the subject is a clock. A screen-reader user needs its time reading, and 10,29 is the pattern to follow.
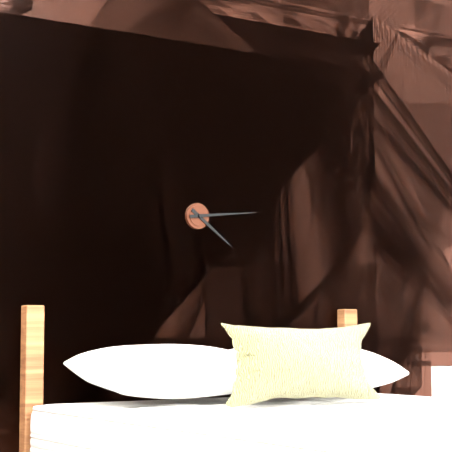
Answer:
4,14
